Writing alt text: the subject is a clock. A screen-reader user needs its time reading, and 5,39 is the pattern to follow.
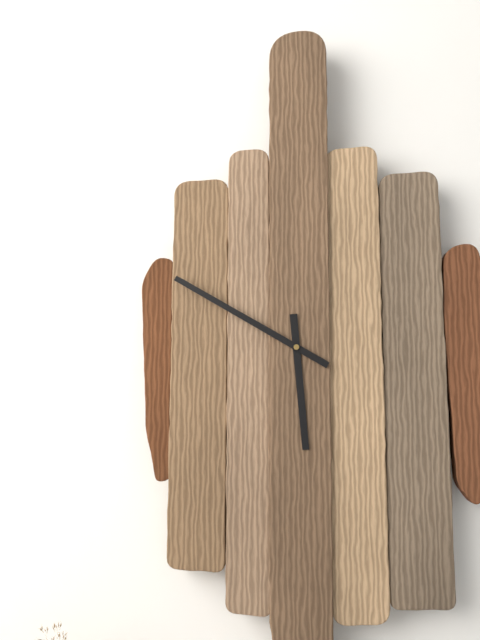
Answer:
5,50
